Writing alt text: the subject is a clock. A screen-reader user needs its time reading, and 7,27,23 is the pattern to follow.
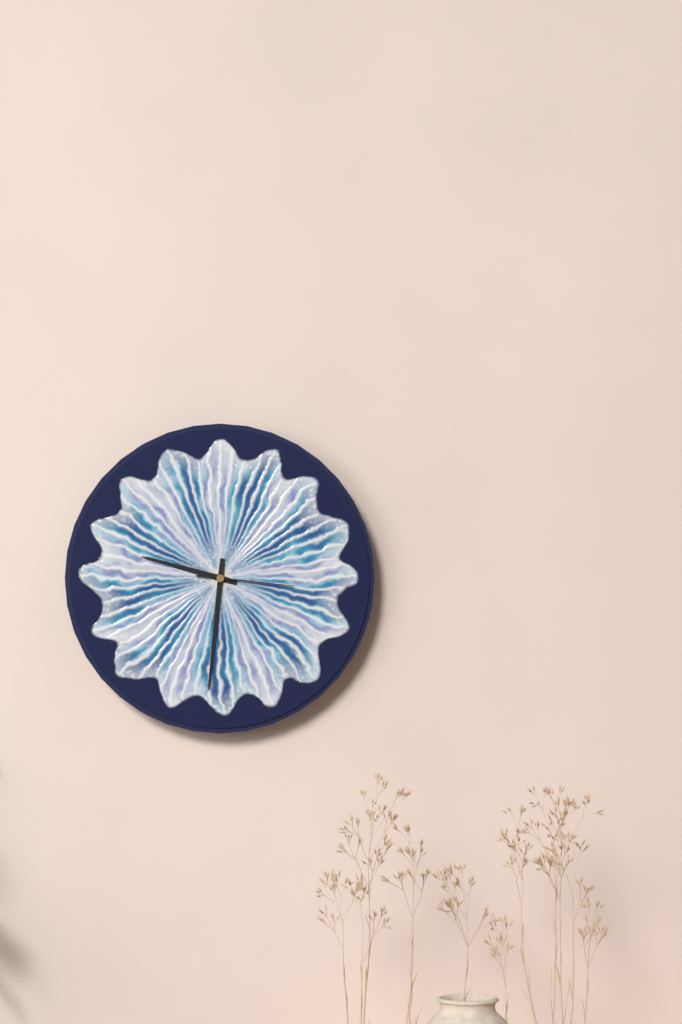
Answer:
9,31,16
